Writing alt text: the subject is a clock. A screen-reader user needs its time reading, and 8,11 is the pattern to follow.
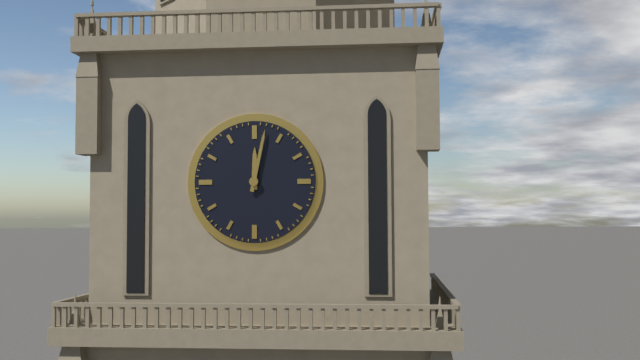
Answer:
12,02
